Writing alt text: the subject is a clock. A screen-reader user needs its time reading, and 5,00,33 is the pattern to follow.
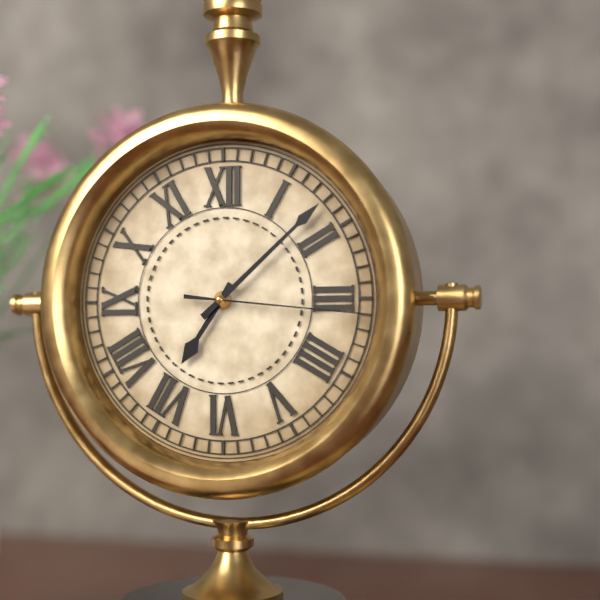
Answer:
7,08,16
